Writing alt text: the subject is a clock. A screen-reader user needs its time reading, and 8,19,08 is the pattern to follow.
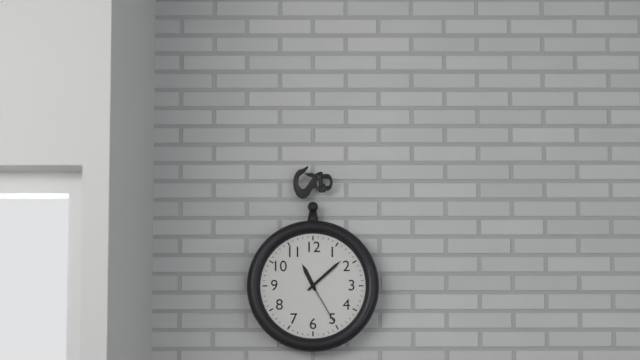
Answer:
11,08,25
